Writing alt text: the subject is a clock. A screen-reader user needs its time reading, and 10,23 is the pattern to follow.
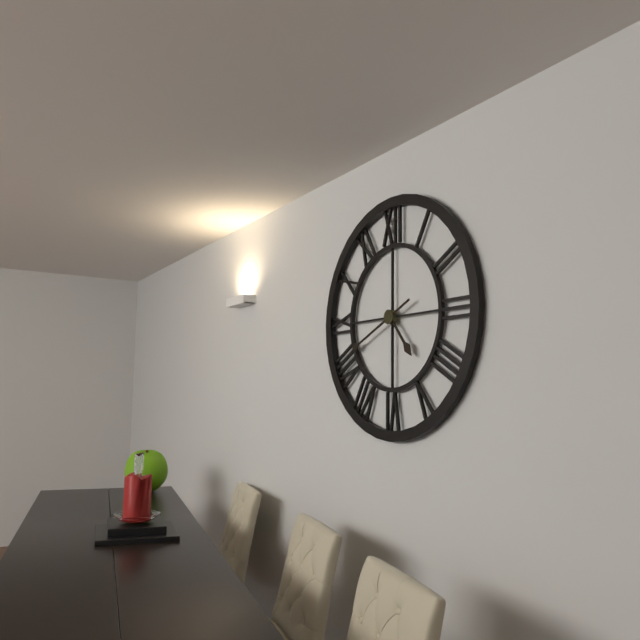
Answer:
4,41
